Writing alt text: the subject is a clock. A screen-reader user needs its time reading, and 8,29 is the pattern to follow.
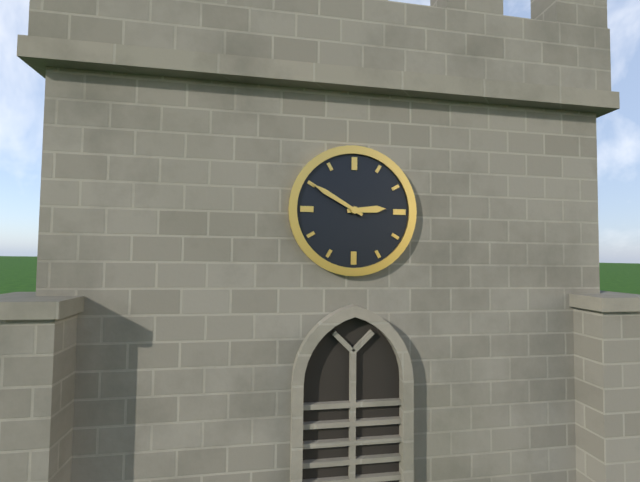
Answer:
2,50
